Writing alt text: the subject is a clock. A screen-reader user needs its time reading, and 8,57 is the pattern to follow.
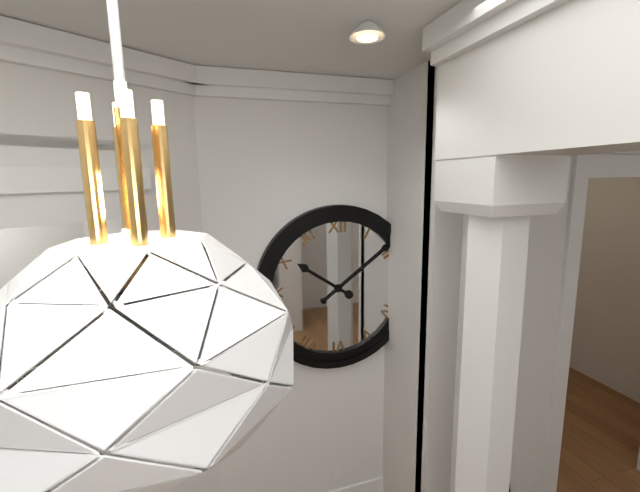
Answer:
10,09
